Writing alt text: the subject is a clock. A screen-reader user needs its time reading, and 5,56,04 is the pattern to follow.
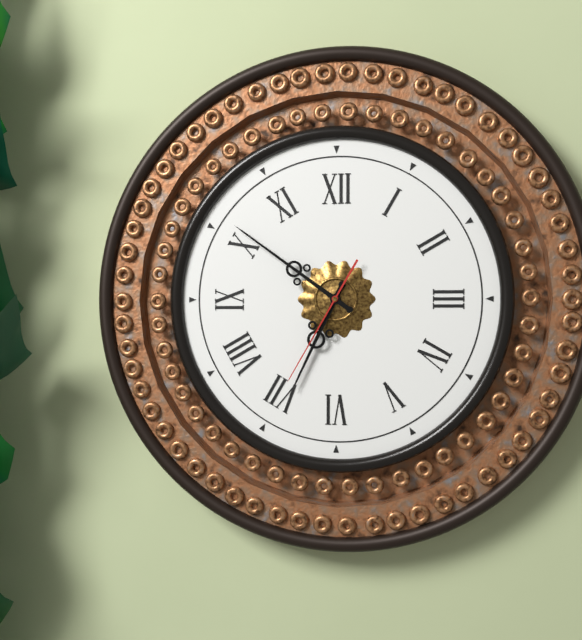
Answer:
6,51,35
